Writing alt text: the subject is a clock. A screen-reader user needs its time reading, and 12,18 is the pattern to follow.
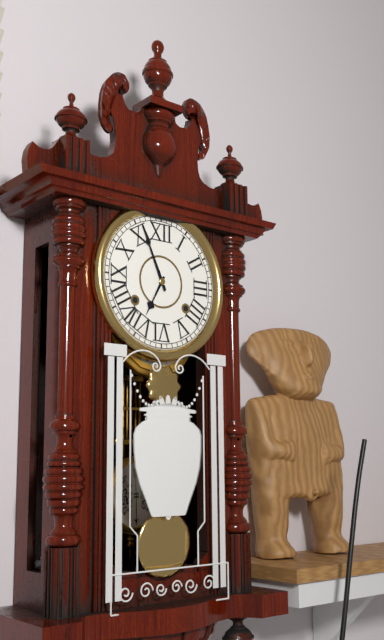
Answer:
6,56
